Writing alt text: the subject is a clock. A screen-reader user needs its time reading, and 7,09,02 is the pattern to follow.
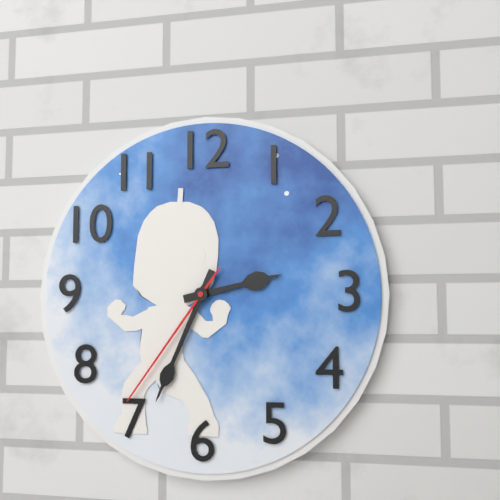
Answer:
2,34,36
